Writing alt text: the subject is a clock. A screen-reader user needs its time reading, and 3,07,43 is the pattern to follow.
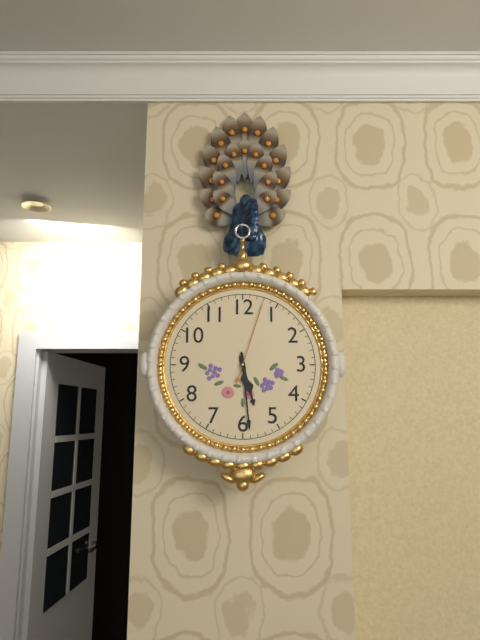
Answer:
5,29,03
